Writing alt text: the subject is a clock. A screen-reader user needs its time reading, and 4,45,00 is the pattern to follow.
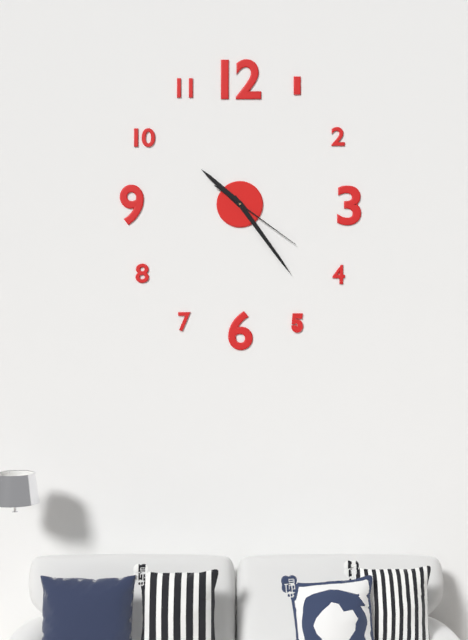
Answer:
10,24,21
